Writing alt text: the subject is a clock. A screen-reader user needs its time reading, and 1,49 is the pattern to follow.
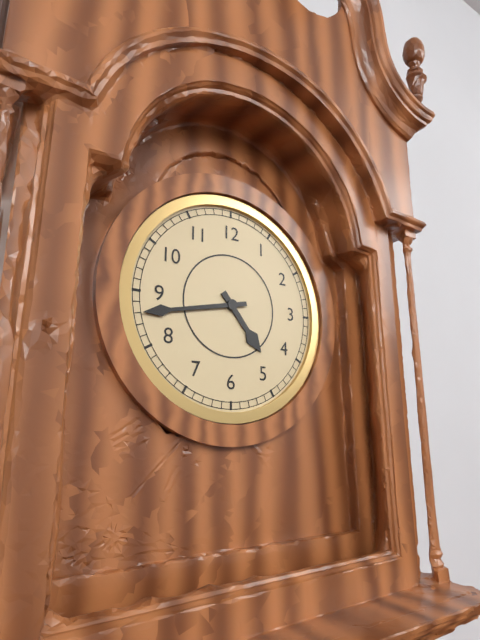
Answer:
4,43
